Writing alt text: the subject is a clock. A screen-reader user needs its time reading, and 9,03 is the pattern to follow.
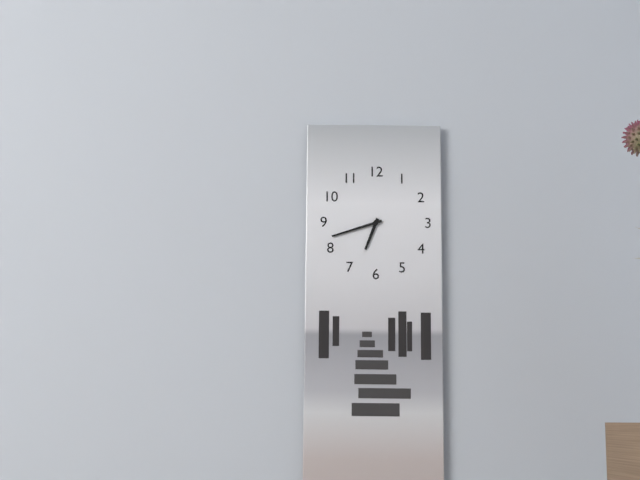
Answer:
6,42
